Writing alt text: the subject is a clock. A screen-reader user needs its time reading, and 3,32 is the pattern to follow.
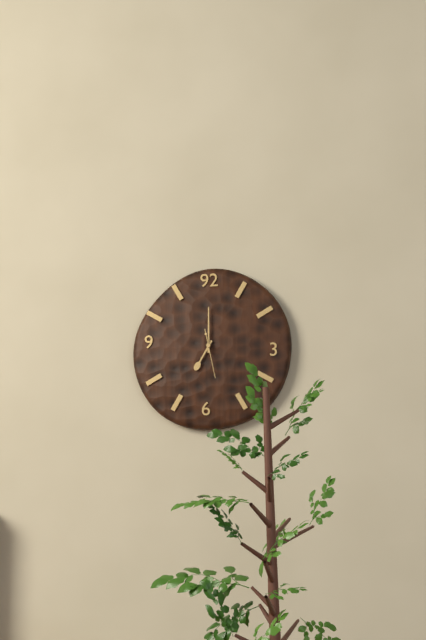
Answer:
7,00
